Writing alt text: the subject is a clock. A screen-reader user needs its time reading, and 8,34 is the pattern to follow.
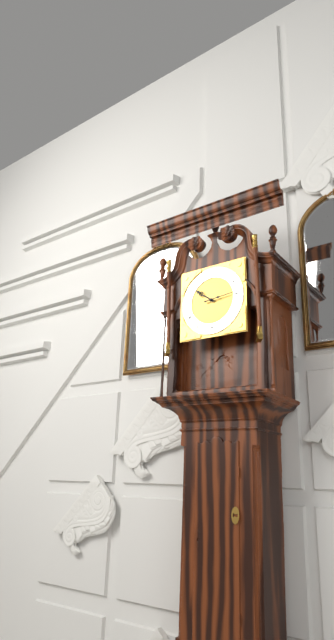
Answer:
10,14
